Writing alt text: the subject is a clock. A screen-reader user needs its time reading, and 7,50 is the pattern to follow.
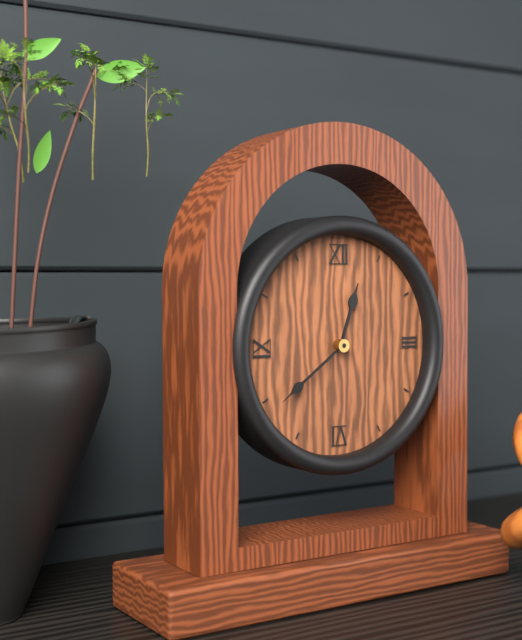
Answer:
12,39
